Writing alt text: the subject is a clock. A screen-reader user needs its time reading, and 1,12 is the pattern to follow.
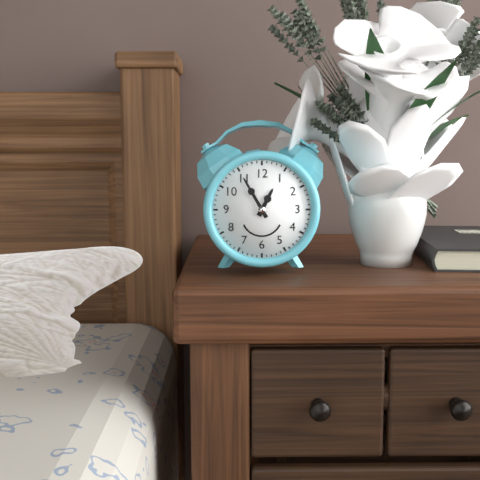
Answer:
12,55
